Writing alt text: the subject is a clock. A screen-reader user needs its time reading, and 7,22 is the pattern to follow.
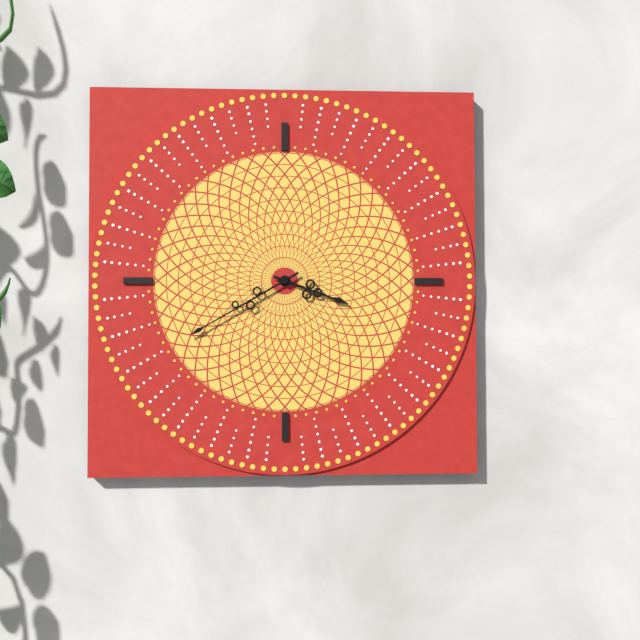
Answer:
3,40
